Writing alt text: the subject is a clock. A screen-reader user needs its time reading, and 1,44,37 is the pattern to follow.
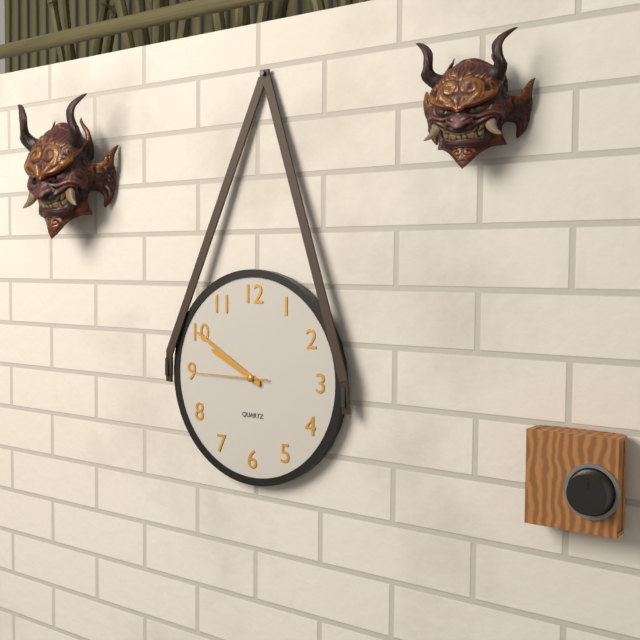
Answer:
9,50,45
